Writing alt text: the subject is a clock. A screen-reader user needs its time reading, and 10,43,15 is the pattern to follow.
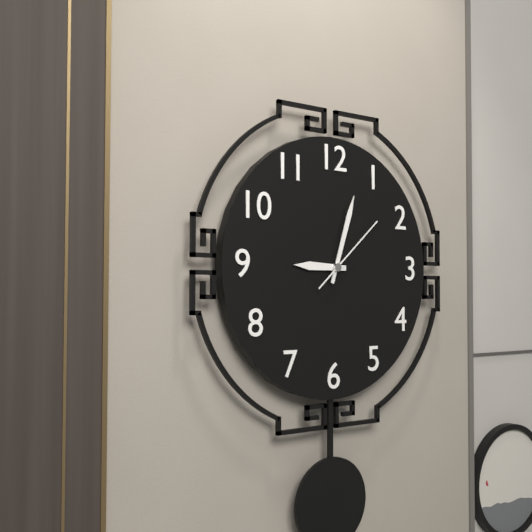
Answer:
9,03,08
